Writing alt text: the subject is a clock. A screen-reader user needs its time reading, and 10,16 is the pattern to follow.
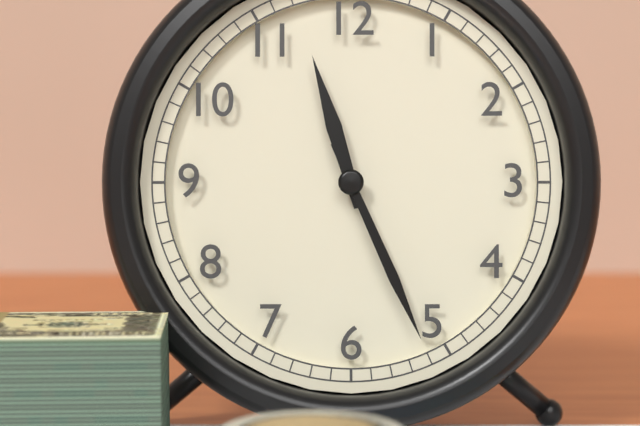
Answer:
11,26
